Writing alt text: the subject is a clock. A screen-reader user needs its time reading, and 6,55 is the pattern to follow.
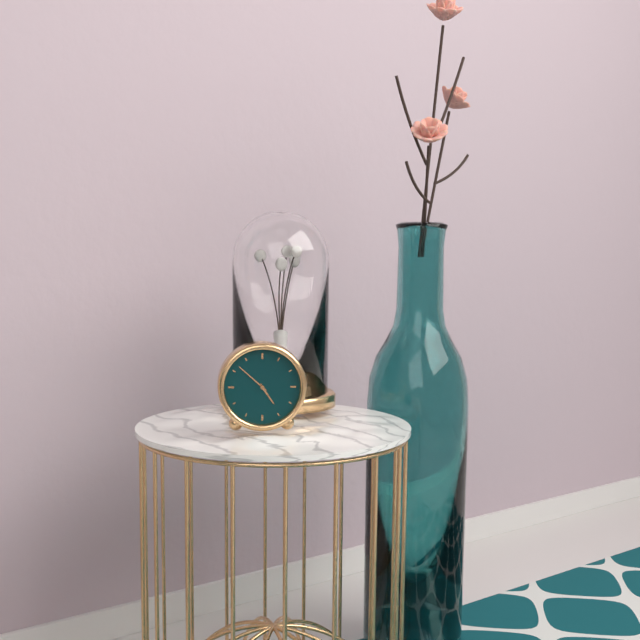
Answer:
4,52
